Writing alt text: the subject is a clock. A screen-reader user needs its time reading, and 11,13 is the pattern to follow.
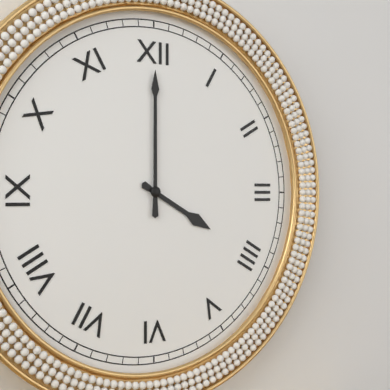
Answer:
4,00
